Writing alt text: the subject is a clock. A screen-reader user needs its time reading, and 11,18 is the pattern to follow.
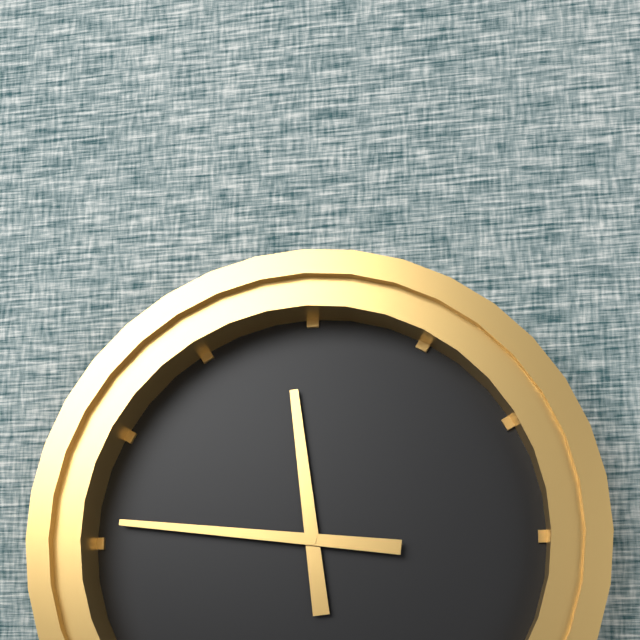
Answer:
11,46
